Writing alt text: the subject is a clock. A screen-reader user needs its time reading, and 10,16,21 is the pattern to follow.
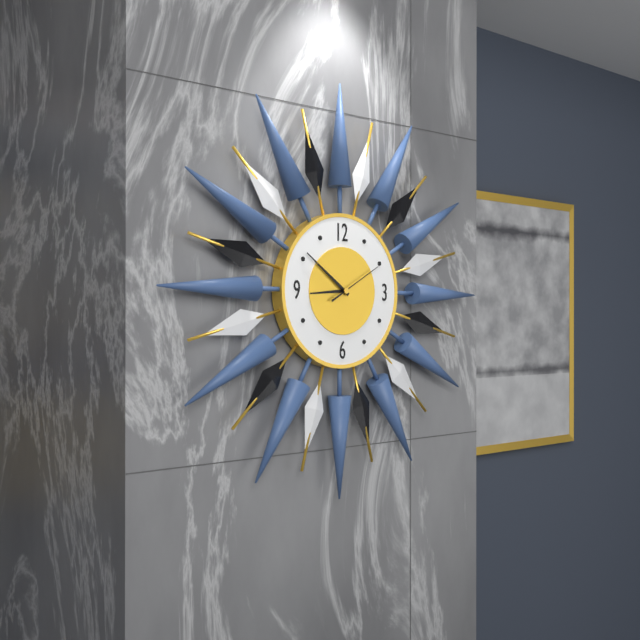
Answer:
8,51,10
